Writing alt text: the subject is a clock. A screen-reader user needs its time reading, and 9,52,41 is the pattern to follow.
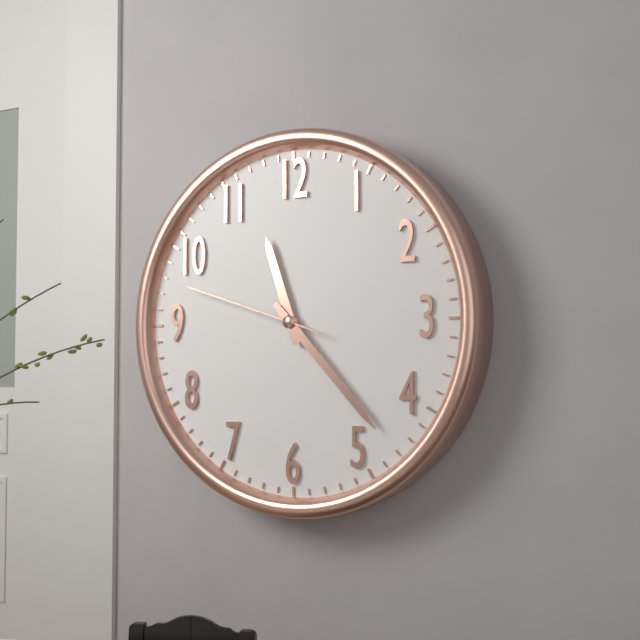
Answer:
11,23,48
